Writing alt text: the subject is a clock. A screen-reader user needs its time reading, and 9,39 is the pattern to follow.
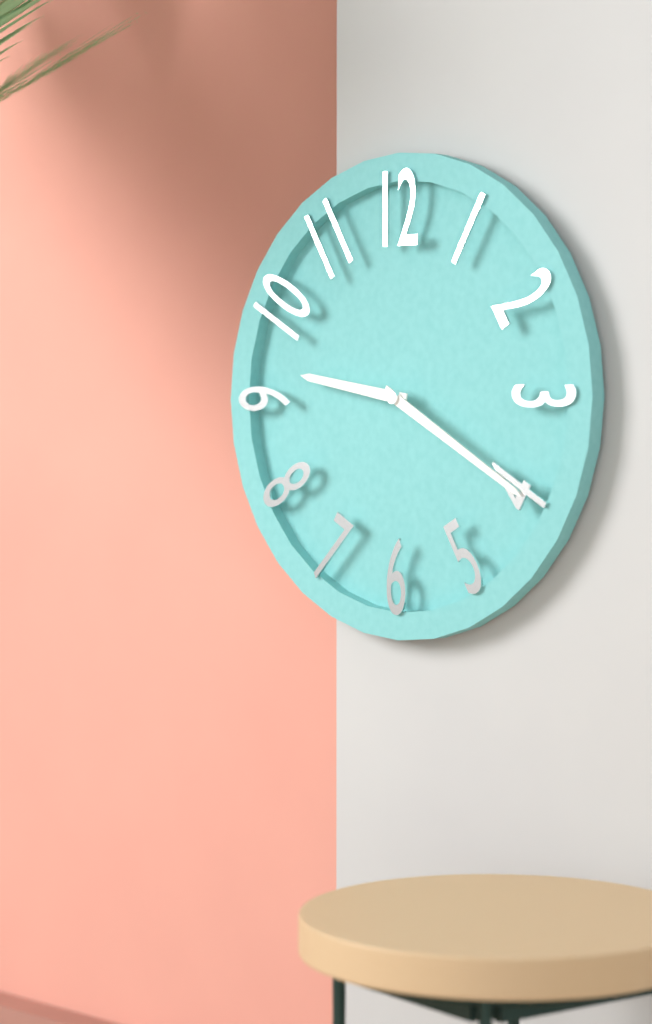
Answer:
9,20
